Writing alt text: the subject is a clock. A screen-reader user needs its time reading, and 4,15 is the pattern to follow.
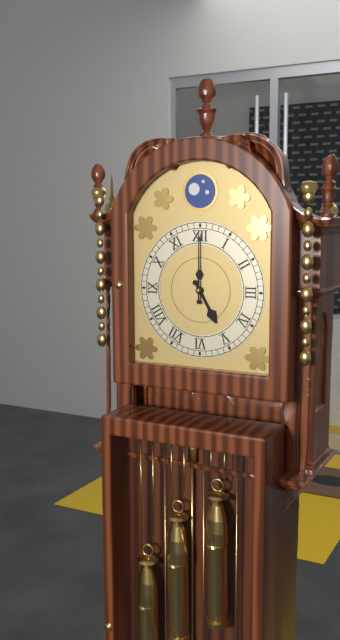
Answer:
5,00
